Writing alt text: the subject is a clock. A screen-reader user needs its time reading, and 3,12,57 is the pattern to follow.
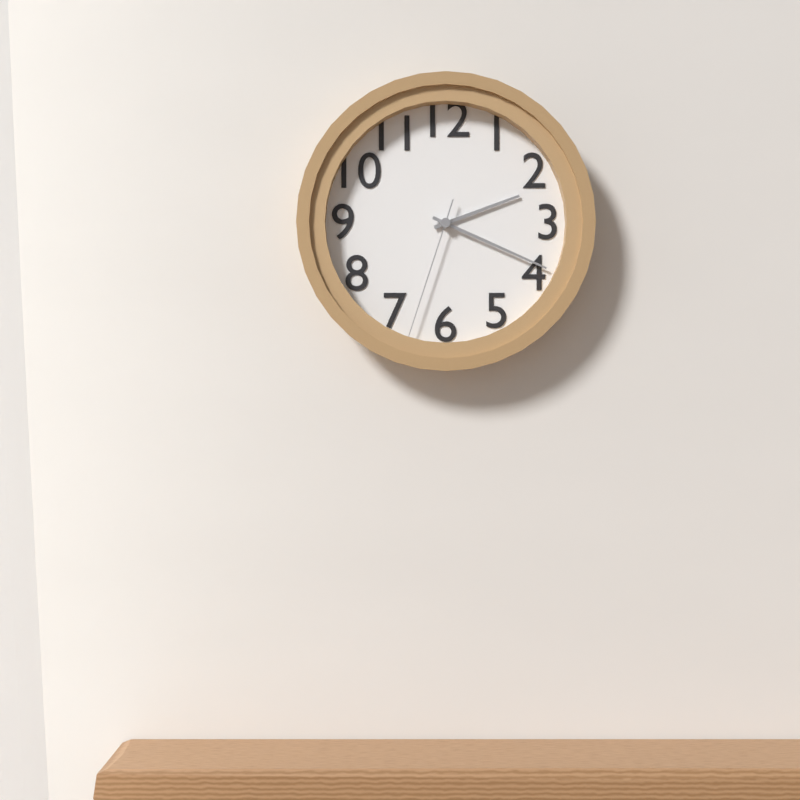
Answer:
2,19,33
